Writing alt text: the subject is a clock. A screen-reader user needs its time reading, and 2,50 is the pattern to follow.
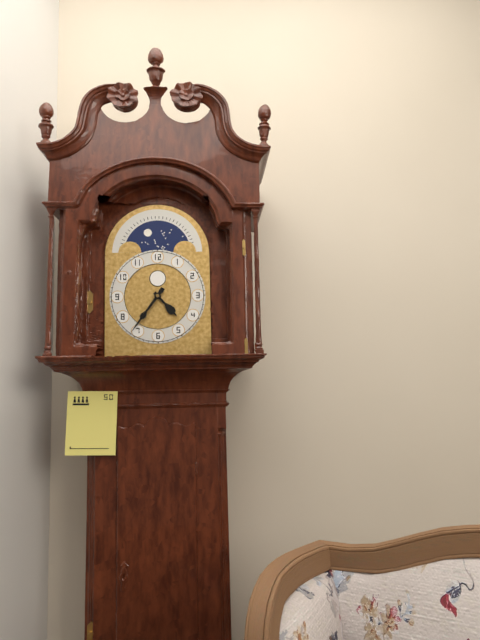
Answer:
4,36
